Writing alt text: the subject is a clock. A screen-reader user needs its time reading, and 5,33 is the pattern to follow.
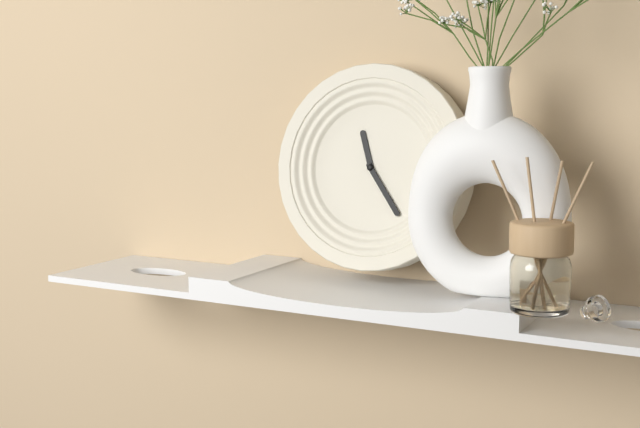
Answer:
11,24
